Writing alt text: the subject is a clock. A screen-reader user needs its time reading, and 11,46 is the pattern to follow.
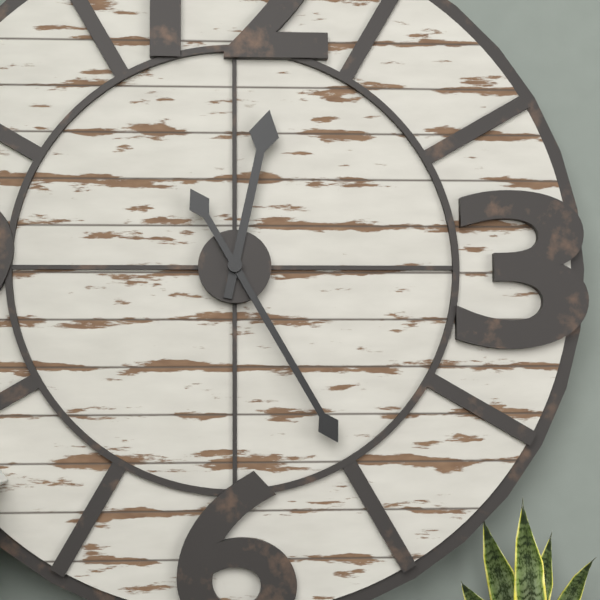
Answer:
12,25
